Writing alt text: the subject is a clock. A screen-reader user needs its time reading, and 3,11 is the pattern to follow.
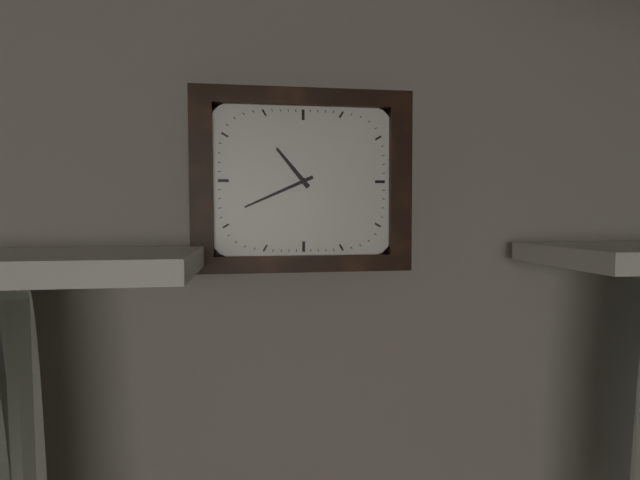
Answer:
10,41
